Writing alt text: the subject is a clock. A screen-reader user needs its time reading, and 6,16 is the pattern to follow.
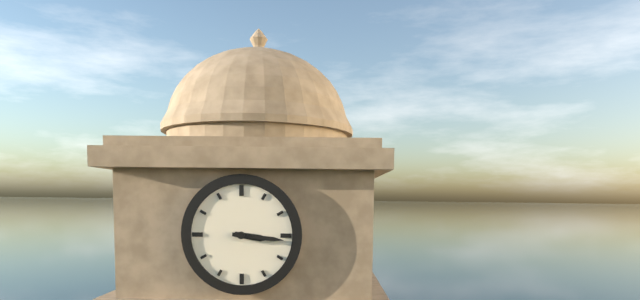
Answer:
3,16
